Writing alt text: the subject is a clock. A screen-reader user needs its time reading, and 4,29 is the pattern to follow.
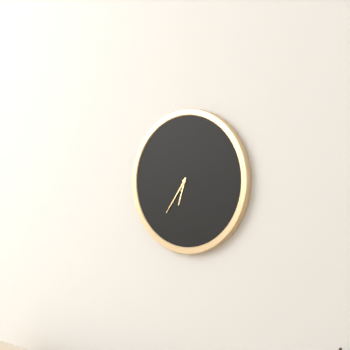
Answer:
6,36
